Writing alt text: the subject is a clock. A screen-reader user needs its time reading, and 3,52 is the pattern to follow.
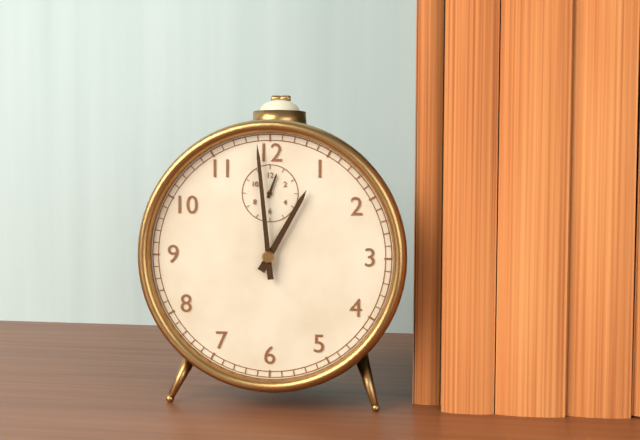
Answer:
12,59
